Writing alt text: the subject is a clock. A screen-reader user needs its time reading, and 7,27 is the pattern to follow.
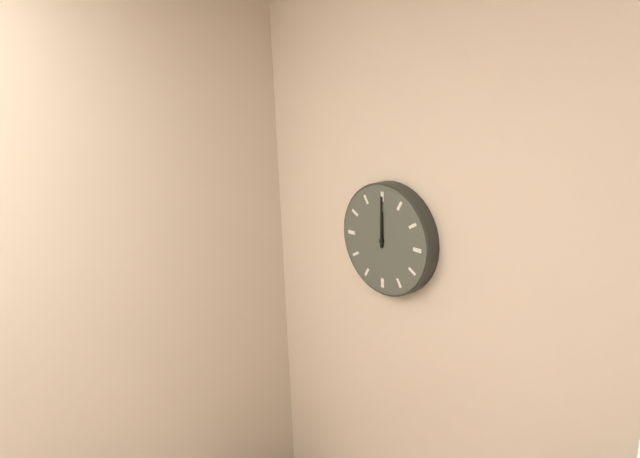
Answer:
12,00
